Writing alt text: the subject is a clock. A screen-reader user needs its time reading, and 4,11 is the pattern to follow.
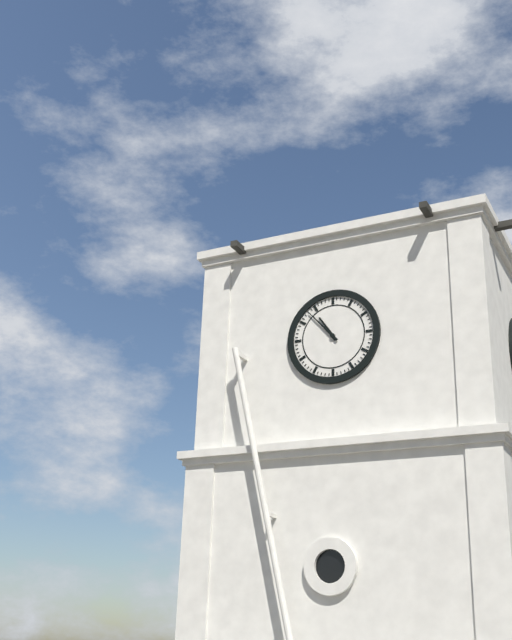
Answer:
10,53
